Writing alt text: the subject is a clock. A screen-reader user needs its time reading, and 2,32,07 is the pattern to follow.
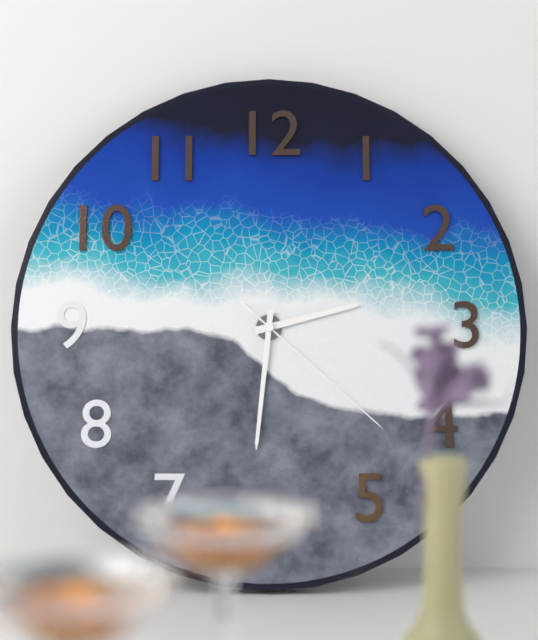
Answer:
2,31,22
